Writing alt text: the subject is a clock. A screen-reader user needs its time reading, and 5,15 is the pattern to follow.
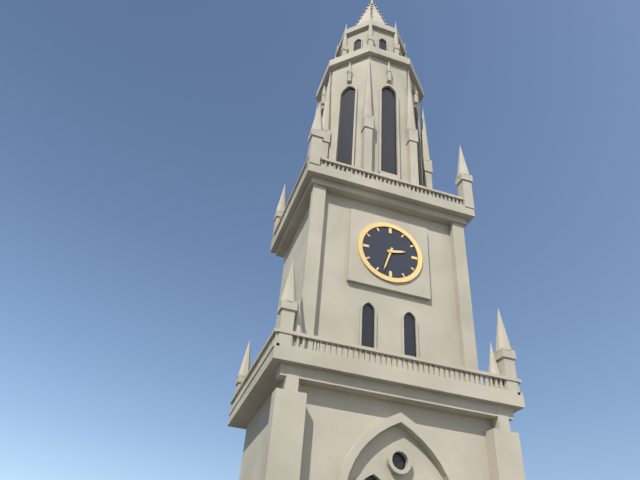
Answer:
2,33
